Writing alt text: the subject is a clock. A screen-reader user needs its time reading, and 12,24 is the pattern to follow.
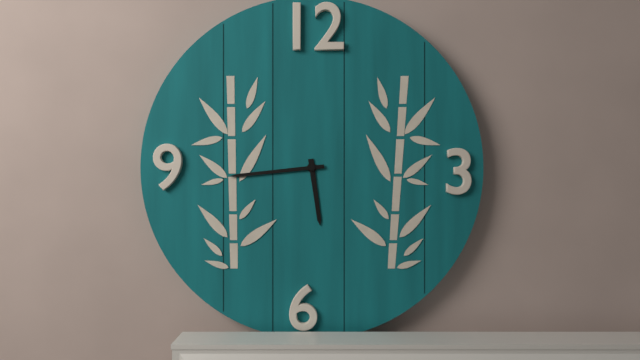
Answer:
5,44
